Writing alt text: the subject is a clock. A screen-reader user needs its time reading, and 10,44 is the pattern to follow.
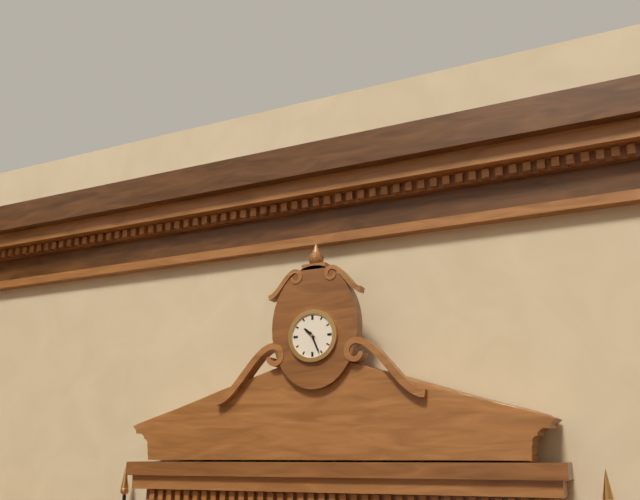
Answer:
10,26
